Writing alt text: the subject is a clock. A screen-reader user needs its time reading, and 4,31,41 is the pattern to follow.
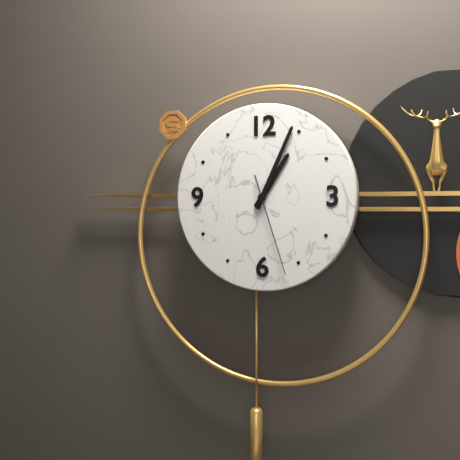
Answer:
1,04,27
